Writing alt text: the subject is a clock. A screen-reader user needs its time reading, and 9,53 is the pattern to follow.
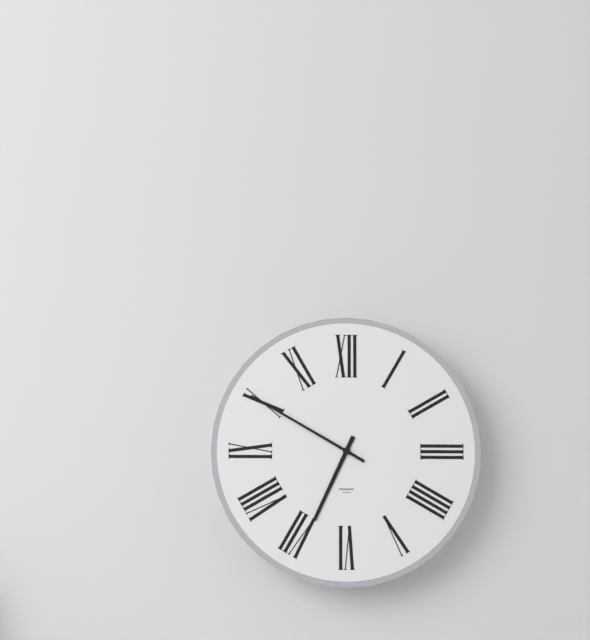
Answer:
6,50
